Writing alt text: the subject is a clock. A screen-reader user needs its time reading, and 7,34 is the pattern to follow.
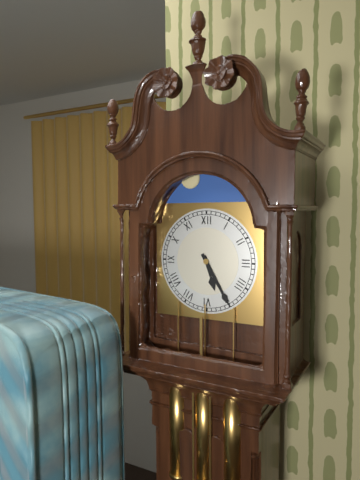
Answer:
5,25
